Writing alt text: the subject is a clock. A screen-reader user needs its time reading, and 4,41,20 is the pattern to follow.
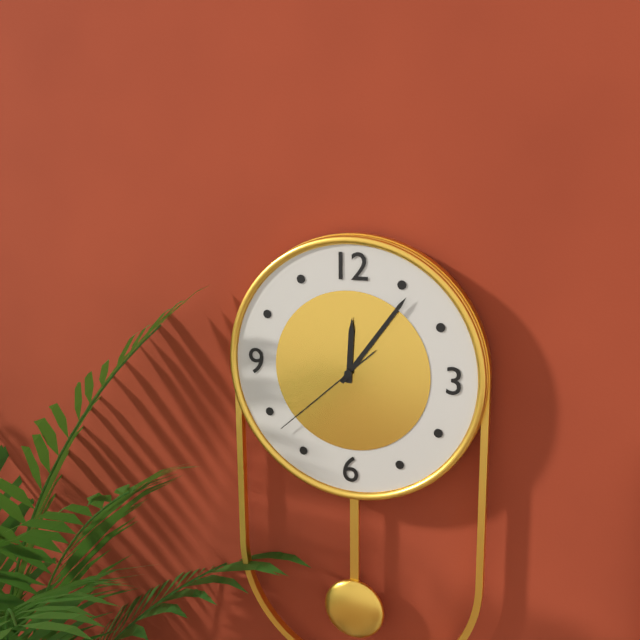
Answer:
12,06,38
